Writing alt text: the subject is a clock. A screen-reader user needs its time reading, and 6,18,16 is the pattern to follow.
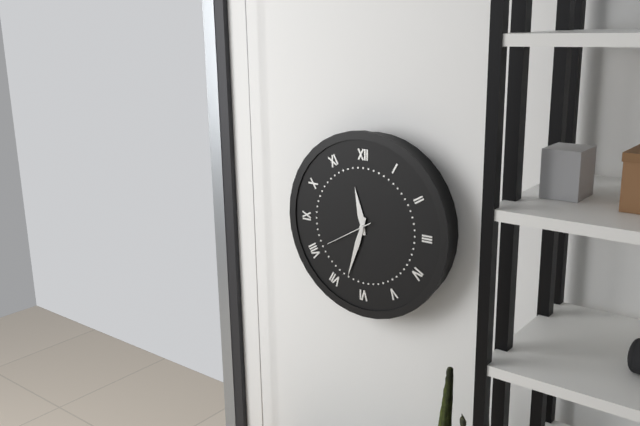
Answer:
11,33,40
